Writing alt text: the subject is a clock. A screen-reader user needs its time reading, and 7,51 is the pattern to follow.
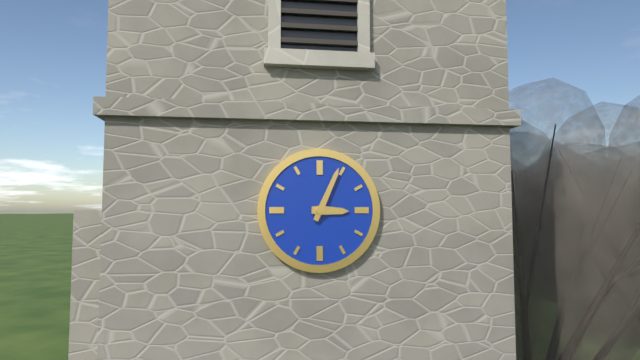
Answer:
3,04
